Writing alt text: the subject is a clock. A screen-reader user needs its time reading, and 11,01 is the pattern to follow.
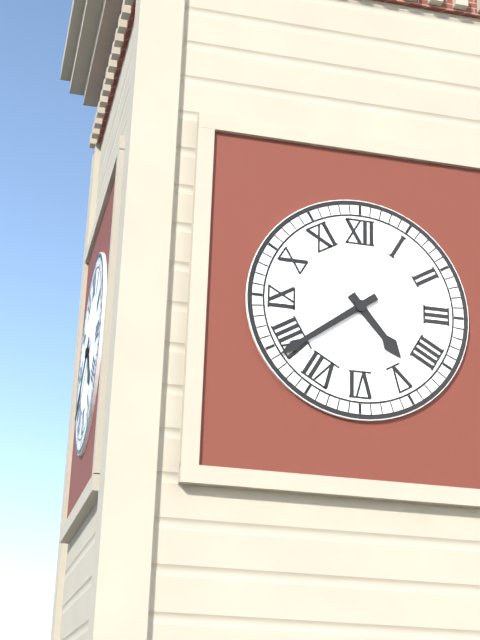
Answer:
4,39
